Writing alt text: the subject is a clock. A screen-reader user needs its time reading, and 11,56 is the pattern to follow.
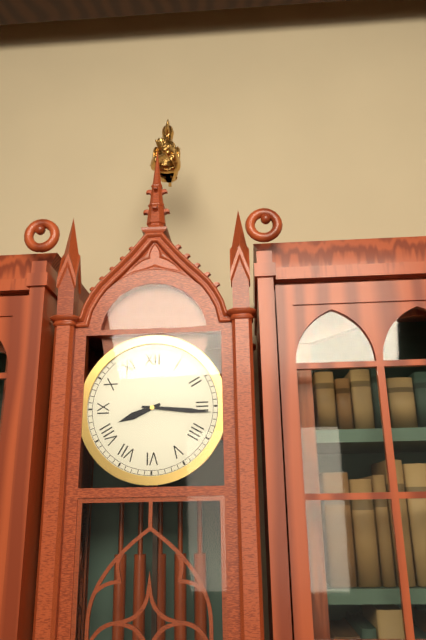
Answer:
8,16
